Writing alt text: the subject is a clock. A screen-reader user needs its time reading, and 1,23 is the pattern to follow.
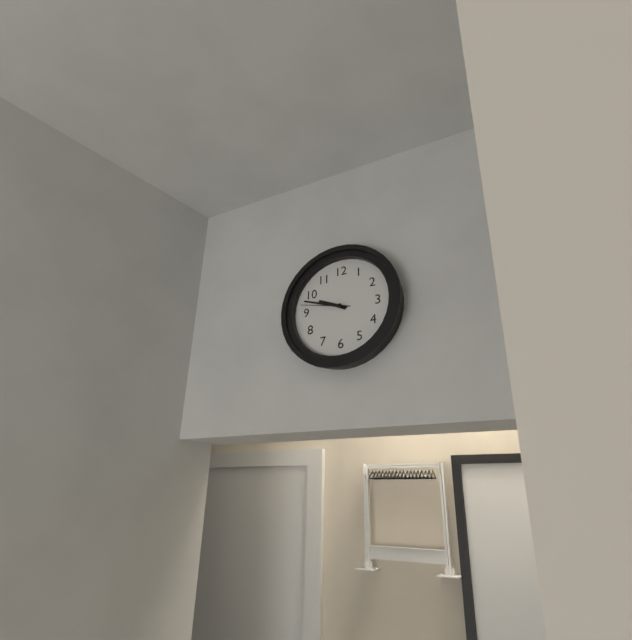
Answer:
9,48
